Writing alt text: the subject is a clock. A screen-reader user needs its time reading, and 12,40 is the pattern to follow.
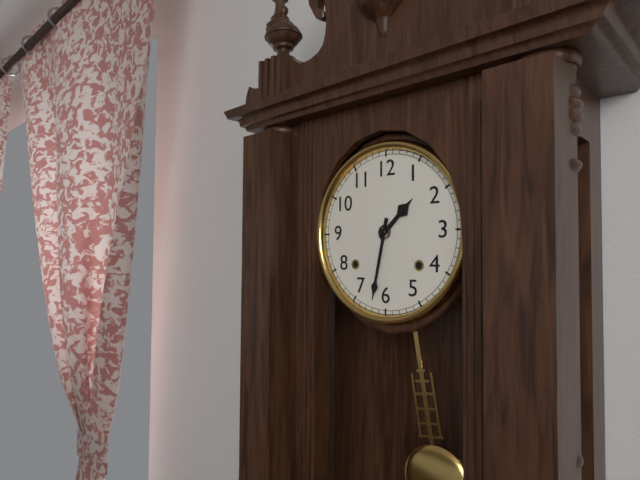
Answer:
1,32
